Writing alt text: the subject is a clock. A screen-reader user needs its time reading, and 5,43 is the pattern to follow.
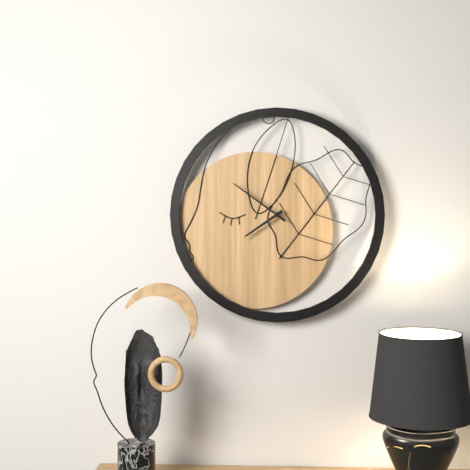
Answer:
7,51
